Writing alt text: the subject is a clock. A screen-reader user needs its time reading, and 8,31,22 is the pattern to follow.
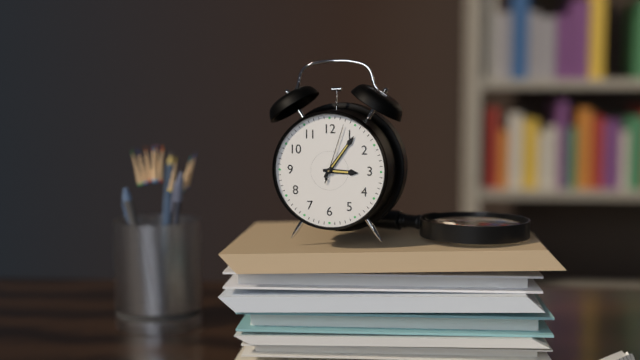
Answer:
3,06,03
